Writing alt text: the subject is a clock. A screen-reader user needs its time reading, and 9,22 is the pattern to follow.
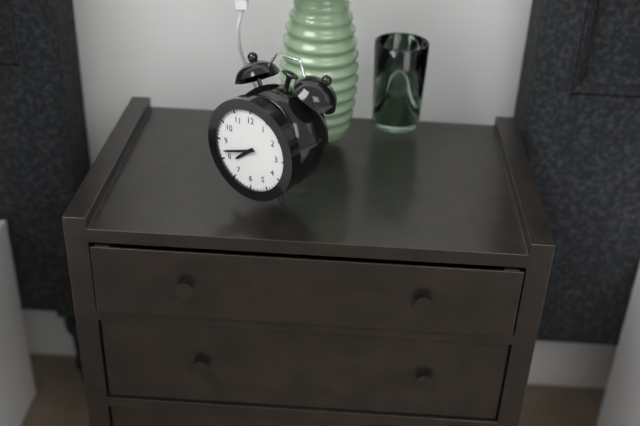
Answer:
7,42
